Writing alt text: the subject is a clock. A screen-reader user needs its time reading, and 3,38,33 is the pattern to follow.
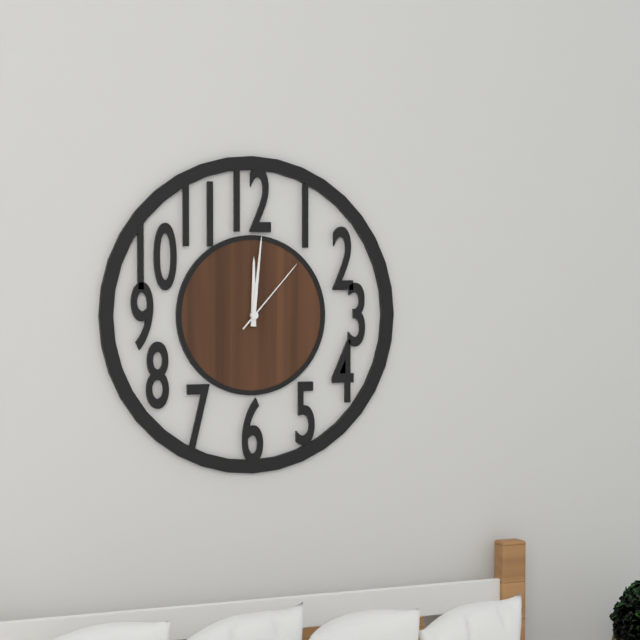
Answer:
12,01,07
